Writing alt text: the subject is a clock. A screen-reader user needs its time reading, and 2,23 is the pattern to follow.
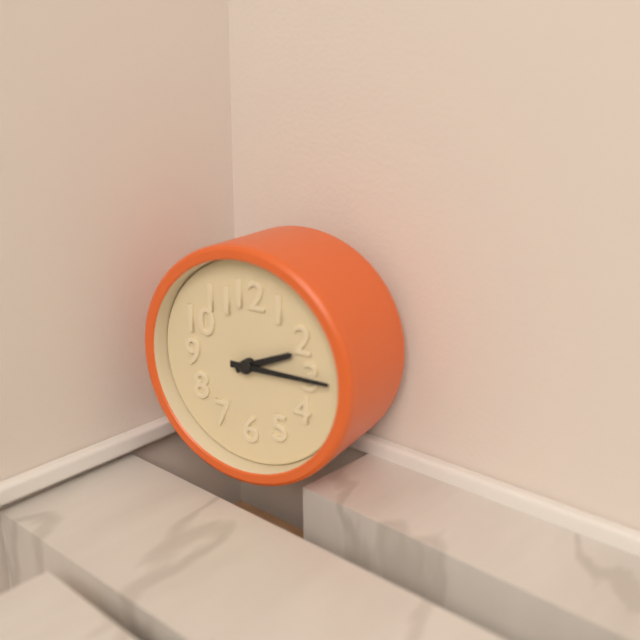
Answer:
2,15
